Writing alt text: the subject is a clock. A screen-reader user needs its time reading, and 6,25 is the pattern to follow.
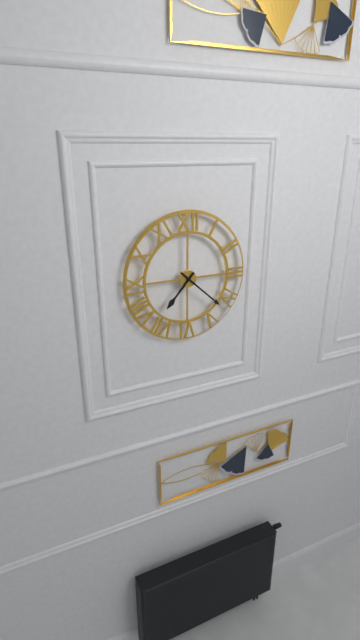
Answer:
7,22
